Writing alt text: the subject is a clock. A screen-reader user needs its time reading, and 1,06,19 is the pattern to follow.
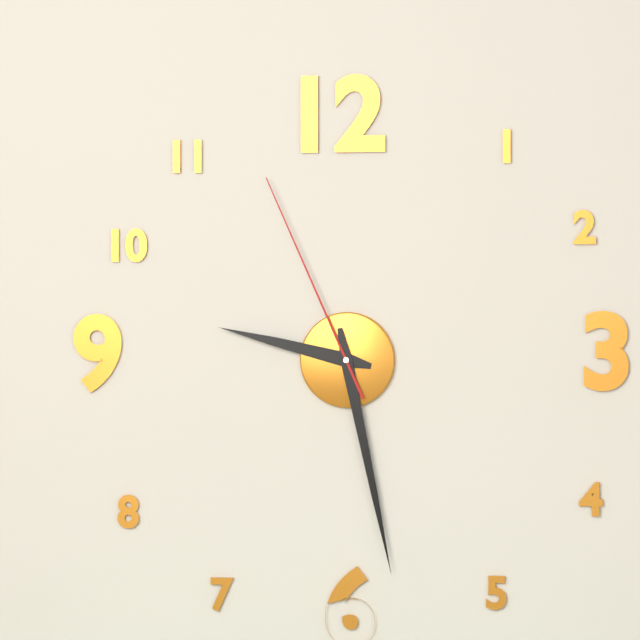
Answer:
9,28,56
